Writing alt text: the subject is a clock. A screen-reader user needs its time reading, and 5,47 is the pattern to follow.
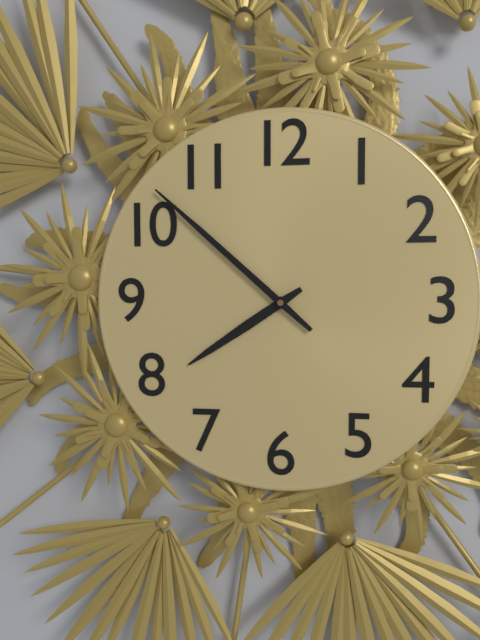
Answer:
7,52
